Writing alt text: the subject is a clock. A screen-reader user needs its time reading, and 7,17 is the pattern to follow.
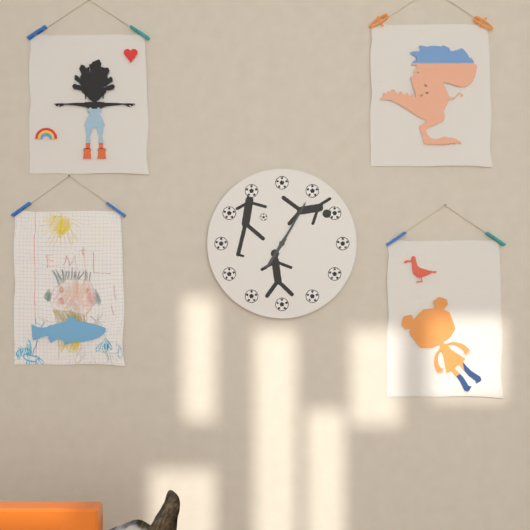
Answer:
7,05
